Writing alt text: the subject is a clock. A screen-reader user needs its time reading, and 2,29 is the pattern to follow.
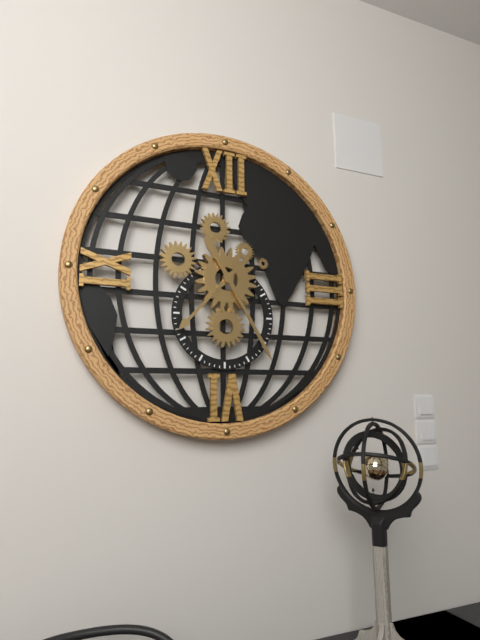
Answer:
7,25
